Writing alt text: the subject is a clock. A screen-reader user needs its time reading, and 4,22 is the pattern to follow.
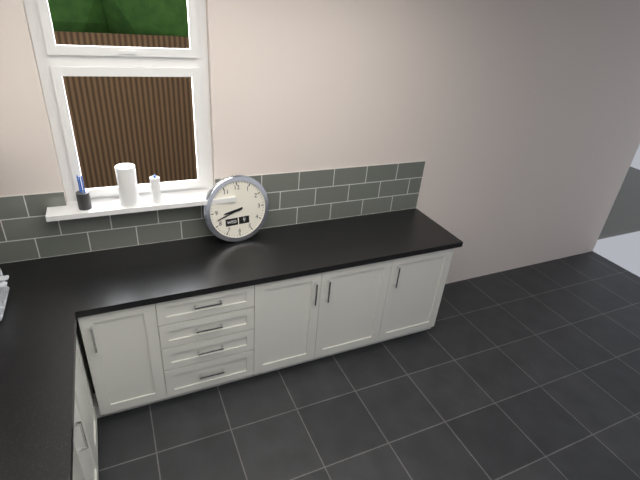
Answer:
8,42
